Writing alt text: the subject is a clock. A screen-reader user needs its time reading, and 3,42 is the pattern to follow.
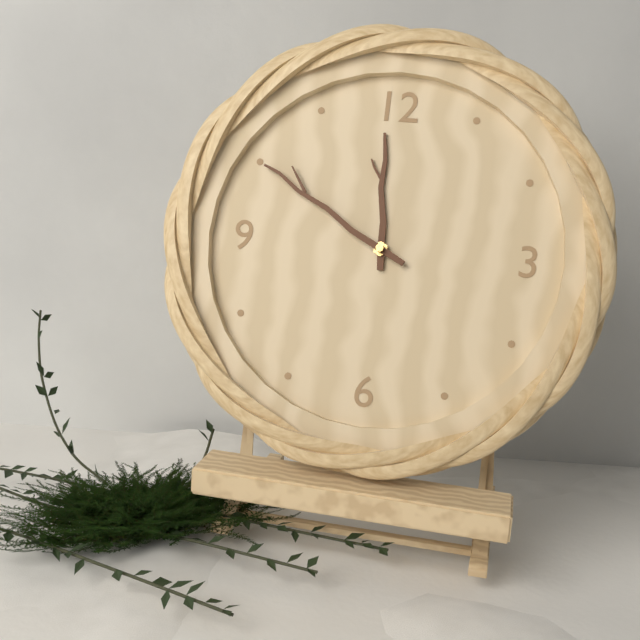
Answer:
11,50
